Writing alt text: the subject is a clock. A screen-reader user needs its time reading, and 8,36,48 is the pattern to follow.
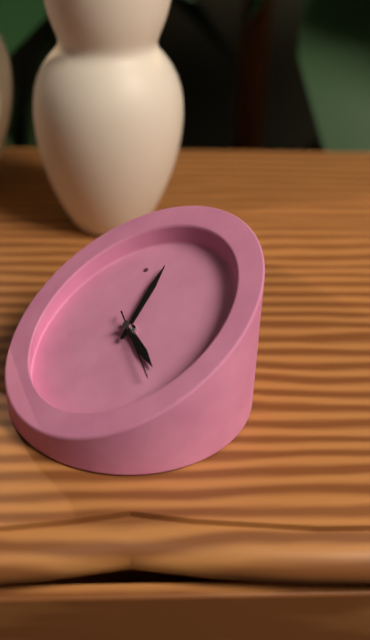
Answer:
6,10,32
